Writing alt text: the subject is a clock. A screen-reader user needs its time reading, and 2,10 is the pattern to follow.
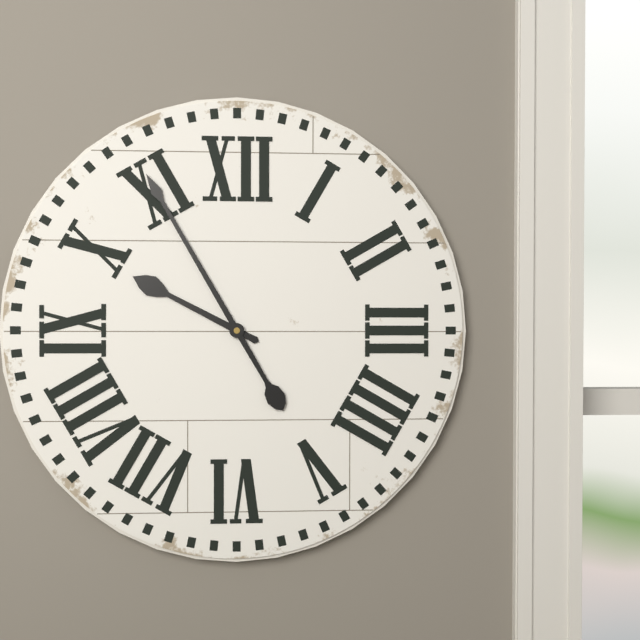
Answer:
9,55
